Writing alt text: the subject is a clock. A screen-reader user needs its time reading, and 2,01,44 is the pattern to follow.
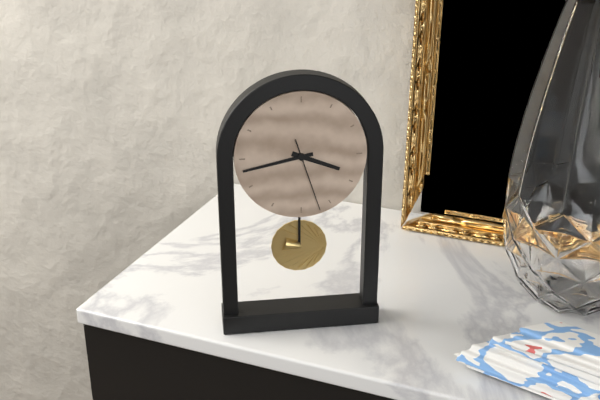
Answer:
3,43,27
